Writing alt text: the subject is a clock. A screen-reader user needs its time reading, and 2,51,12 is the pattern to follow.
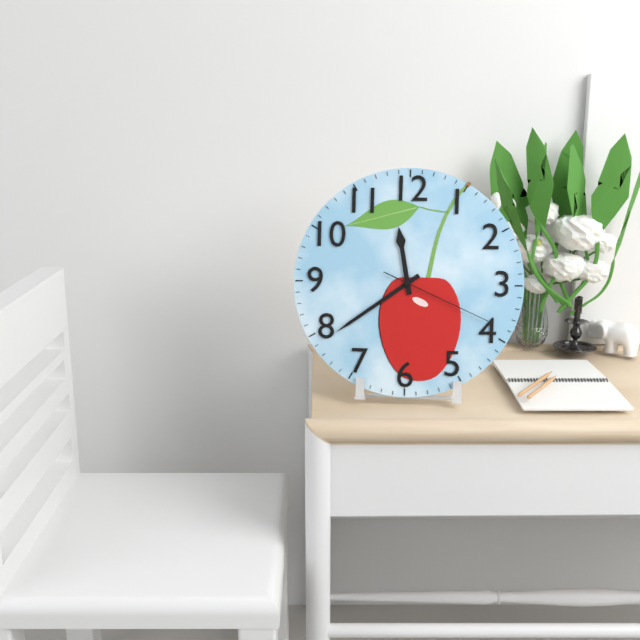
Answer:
11,39,19
